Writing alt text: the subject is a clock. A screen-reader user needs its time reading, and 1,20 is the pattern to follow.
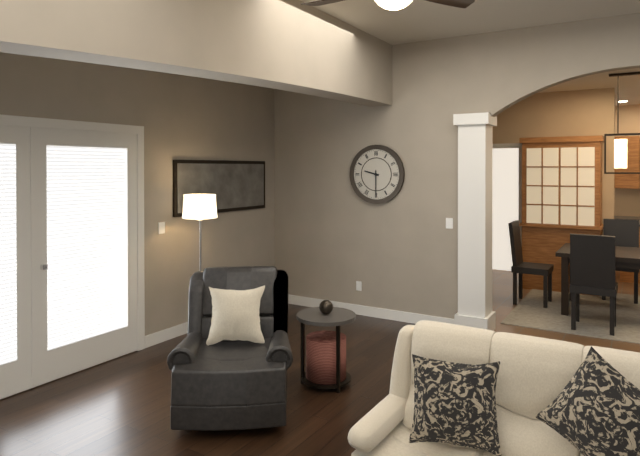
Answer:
9,30
